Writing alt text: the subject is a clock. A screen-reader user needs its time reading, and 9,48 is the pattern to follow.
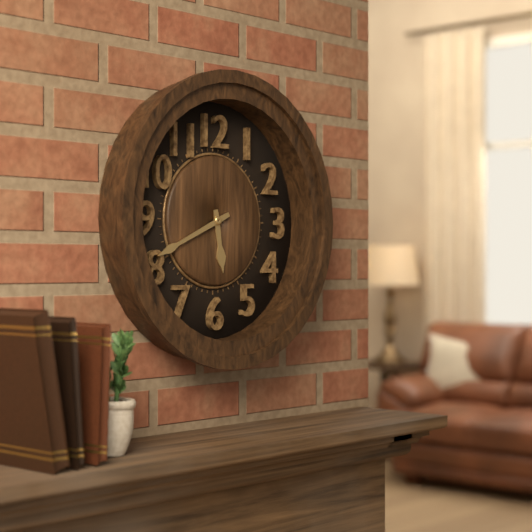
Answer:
5,41
